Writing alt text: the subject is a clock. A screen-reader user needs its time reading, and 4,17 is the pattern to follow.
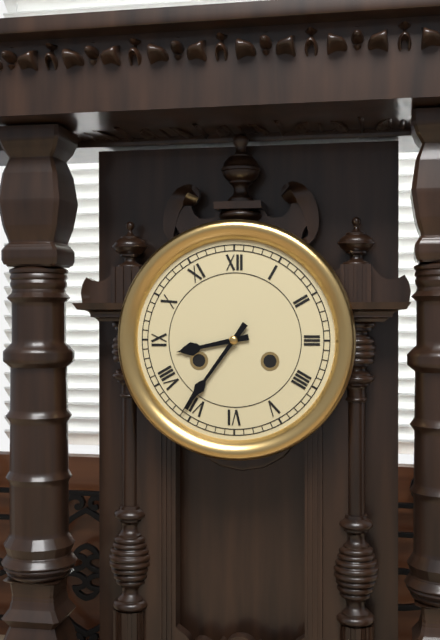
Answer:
8,36
